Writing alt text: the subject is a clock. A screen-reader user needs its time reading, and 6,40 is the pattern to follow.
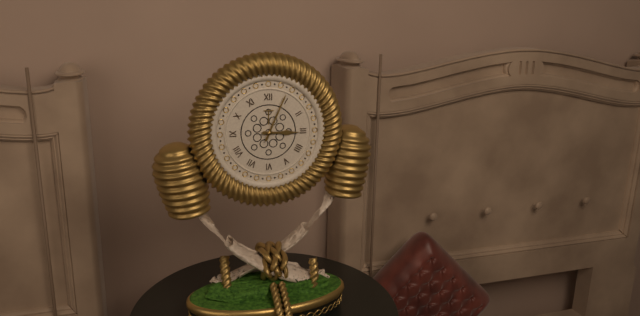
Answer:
3,04
